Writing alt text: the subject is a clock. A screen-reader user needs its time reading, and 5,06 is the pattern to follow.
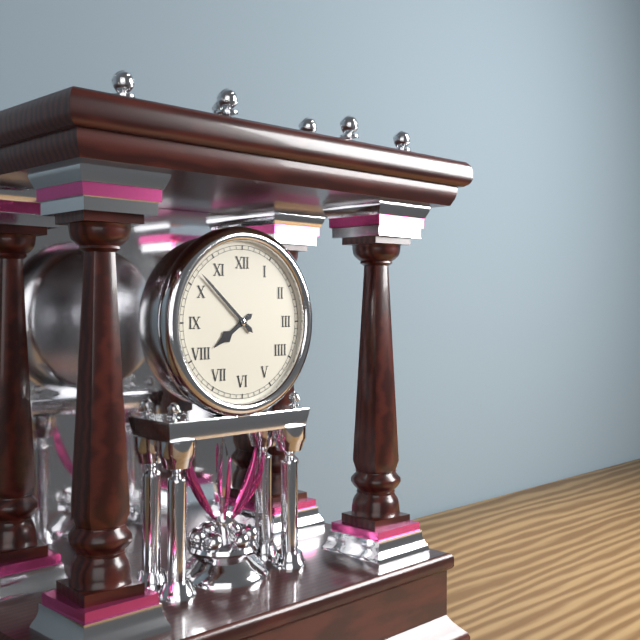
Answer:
7,52
